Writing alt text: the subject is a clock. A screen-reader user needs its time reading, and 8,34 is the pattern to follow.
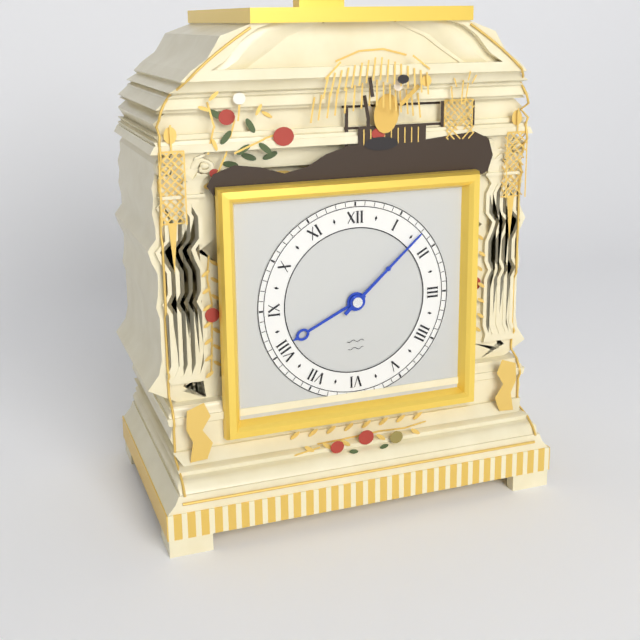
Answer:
8,08
